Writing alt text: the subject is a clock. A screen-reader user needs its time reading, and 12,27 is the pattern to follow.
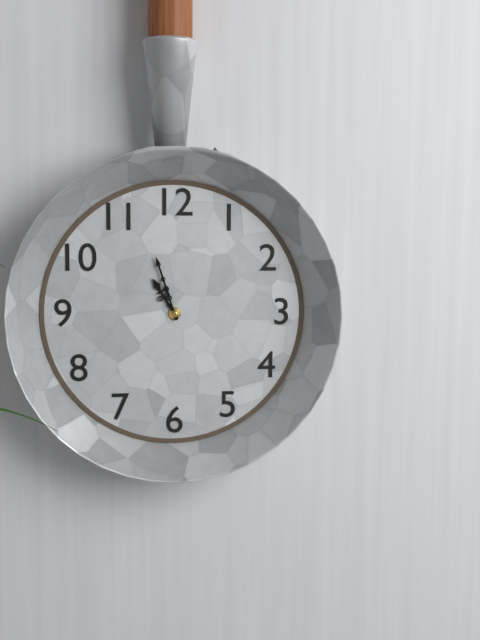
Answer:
10,57
